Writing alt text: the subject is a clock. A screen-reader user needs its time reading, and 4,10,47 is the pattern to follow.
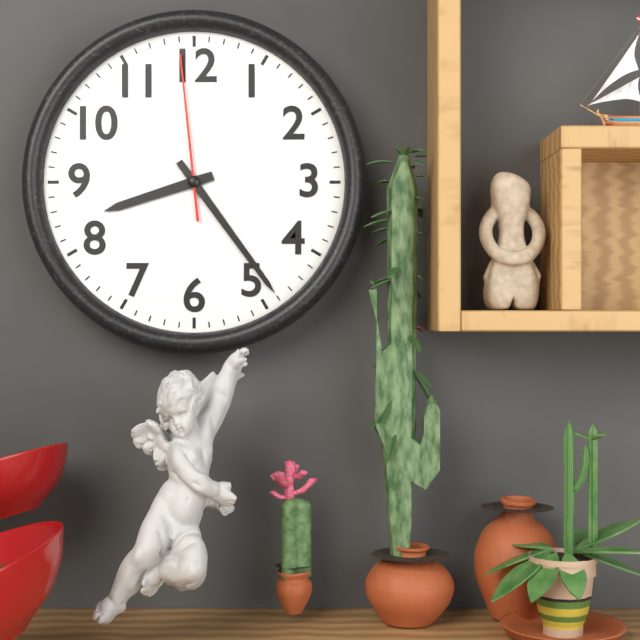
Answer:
8,24,59
